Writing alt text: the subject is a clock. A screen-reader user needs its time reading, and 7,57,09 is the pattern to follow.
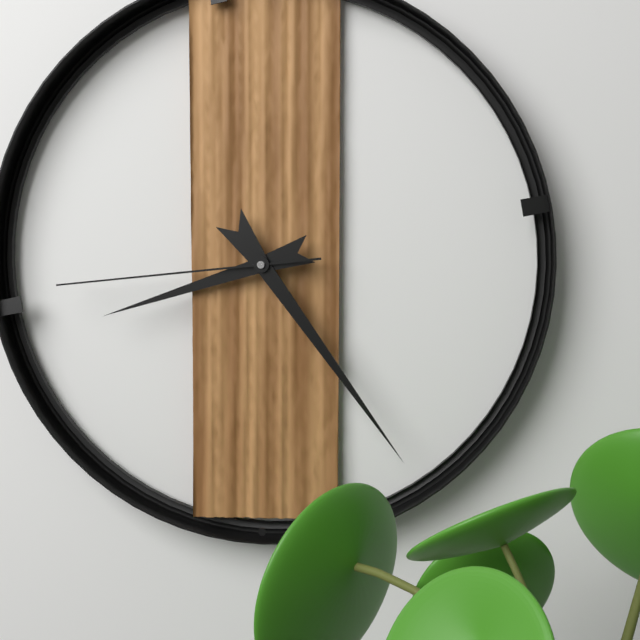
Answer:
8,24,44
